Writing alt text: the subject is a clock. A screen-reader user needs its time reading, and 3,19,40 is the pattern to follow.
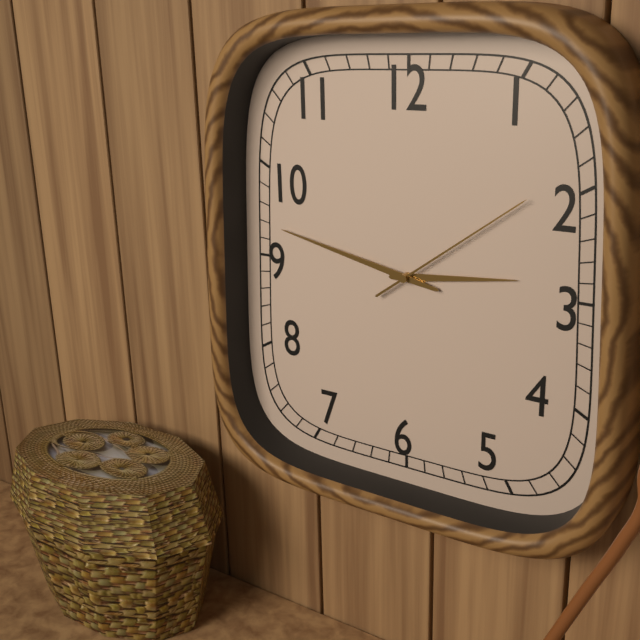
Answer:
2,47,09
